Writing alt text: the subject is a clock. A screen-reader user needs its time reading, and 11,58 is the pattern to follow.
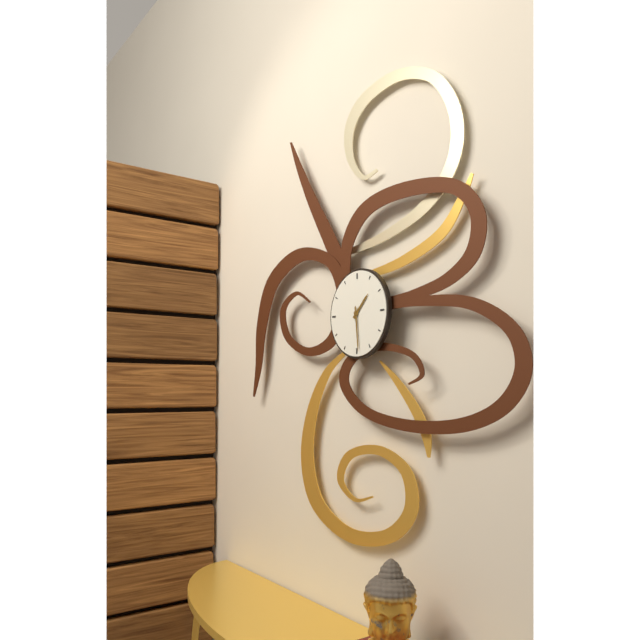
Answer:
1,29
